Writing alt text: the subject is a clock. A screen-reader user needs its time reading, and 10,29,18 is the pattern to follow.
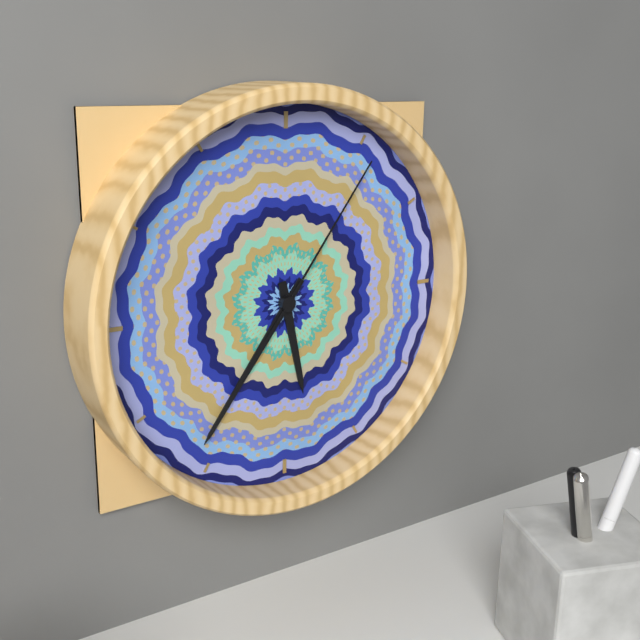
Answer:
5,36,06
